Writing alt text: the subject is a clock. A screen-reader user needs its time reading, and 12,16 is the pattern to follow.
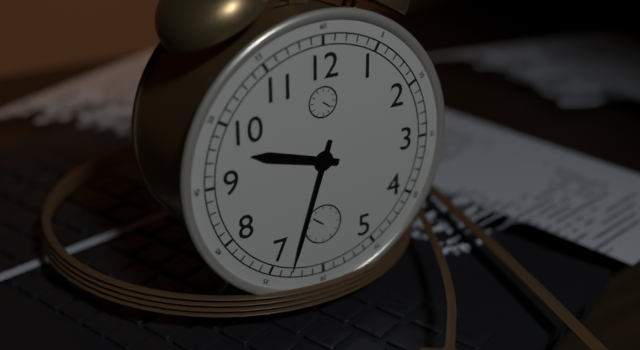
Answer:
9,33
